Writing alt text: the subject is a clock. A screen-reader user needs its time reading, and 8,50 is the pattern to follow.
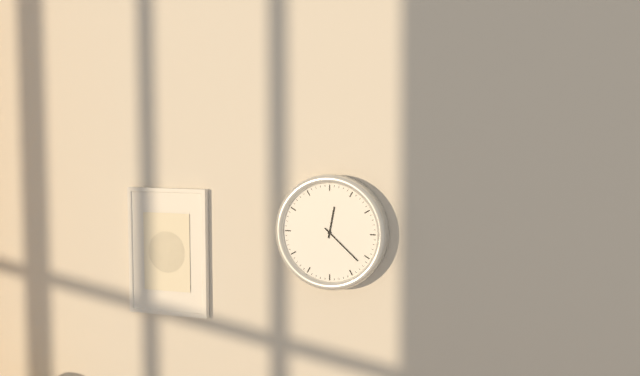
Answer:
12,22
